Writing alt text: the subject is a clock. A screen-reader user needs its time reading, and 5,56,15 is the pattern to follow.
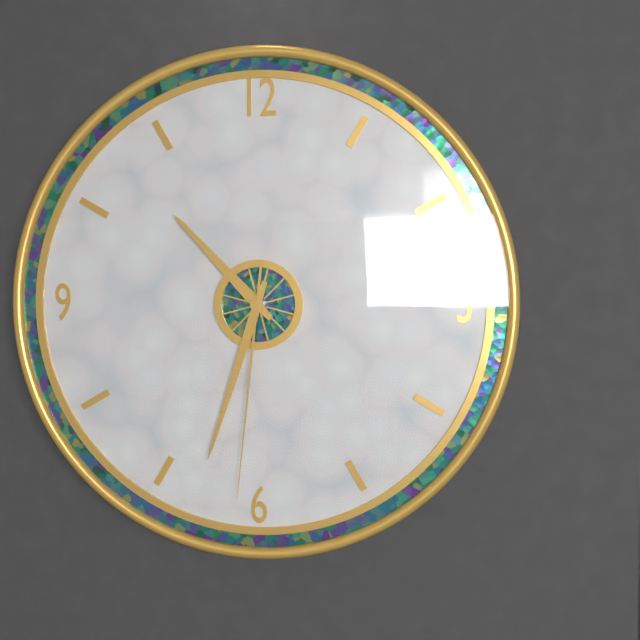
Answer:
10,33,31
